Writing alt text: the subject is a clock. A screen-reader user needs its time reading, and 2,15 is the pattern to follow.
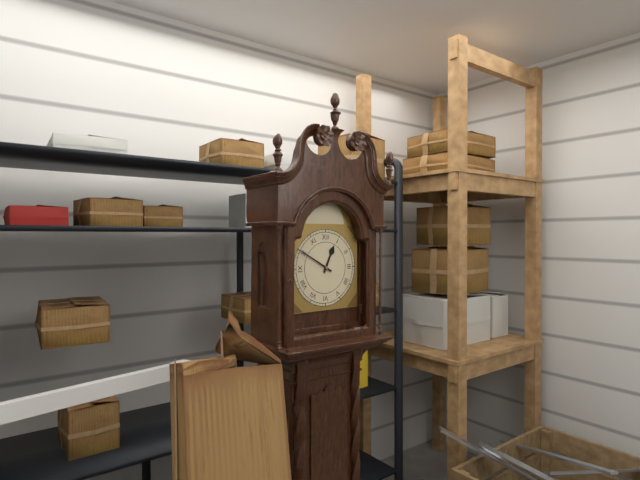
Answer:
12,50
